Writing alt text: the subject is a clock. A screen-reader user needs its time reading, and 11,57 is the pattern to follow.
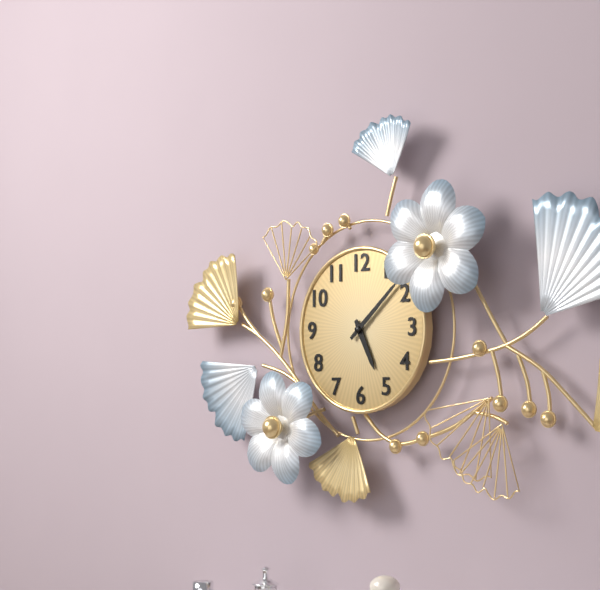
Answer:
5,08
